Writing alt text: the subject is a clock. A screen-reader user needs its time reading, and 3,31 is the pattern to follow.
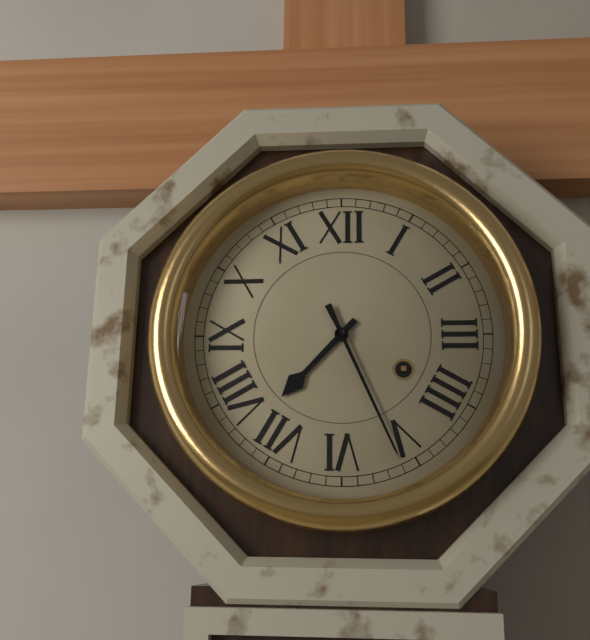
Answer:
7,26
